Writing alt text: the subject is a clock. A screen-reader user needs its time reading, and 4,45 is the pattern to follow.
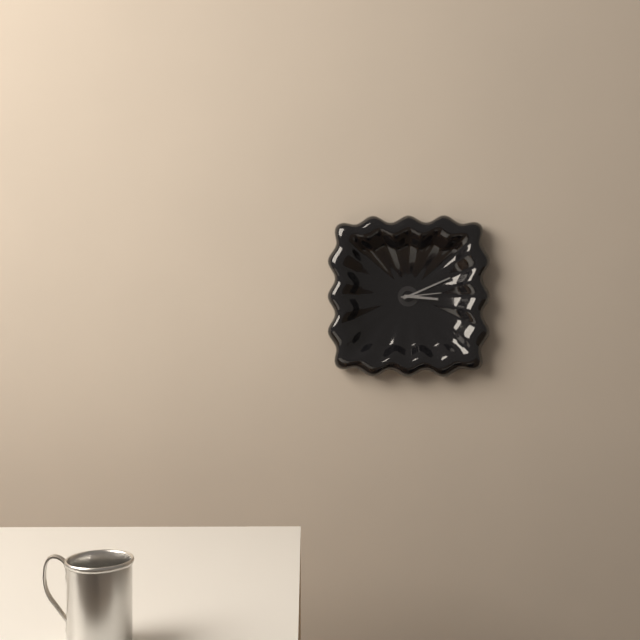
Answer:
3,11
